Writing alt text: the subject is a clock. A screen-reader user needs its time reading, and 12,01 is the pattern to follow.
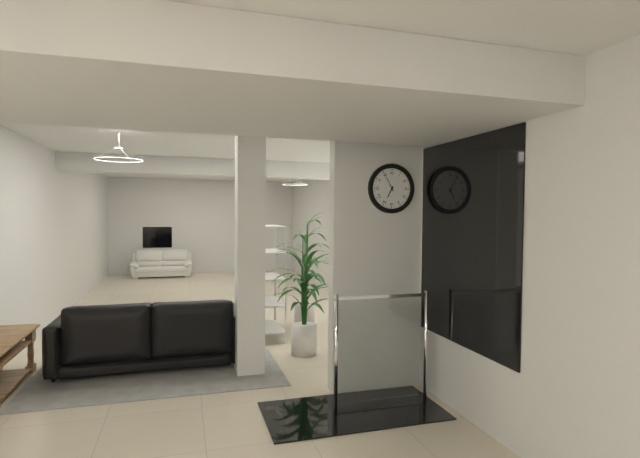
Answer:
6,55
